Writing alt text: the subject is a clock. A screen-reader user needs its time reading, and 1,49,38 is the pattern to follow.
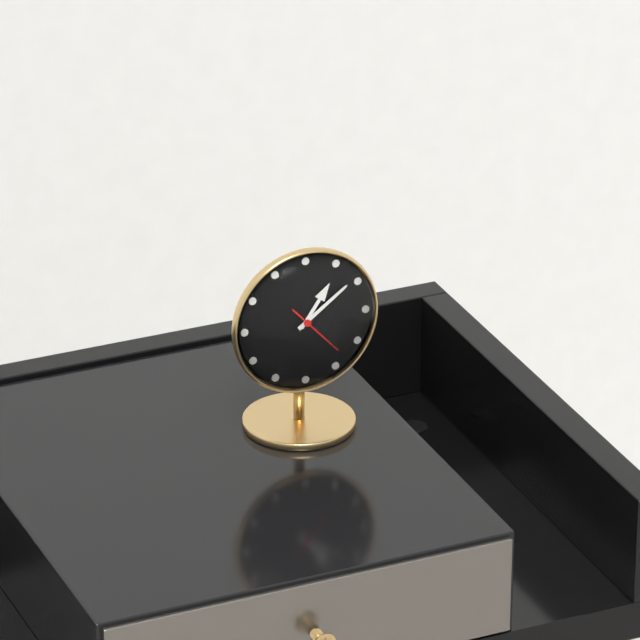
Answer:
1,09,23
